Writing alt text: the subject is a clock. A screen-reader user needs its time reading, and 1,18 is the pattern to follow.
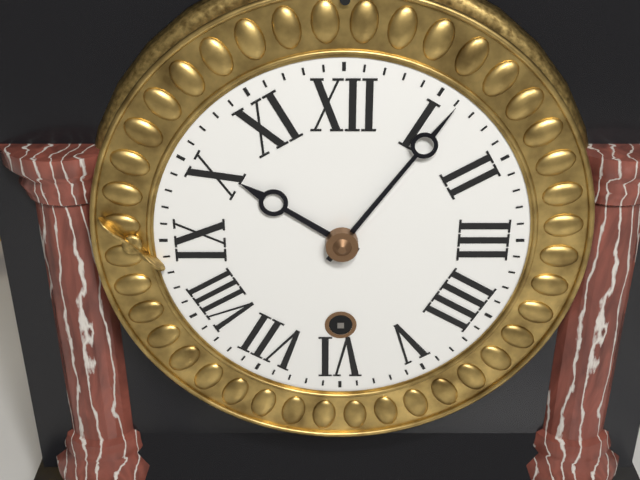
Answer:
10,06
